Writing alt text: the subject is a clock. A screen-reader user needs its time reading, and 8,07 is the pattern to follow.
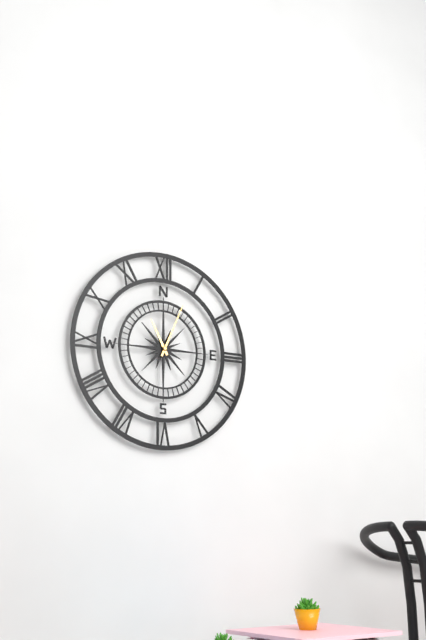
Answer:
11,04
